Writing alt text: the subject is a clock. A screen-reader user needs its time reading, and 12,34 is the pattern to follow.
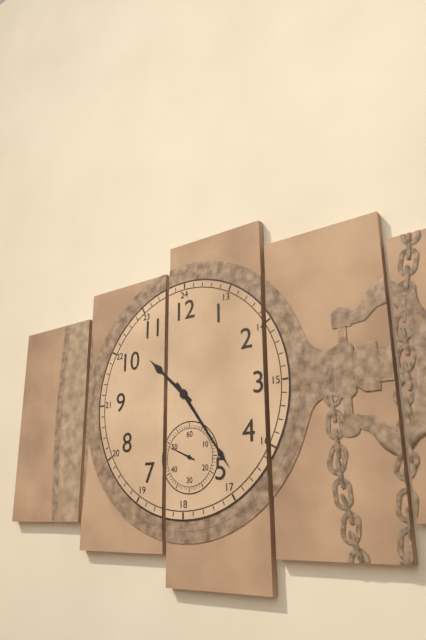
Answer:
10,24
